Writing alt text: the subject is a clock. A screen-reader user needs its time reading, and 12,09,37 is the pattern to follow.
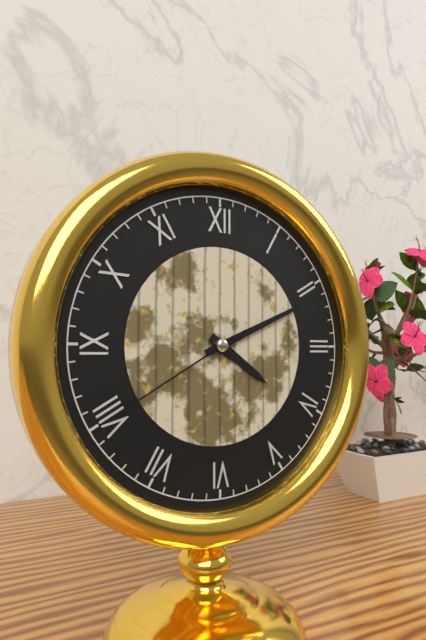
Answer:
4,11,40
